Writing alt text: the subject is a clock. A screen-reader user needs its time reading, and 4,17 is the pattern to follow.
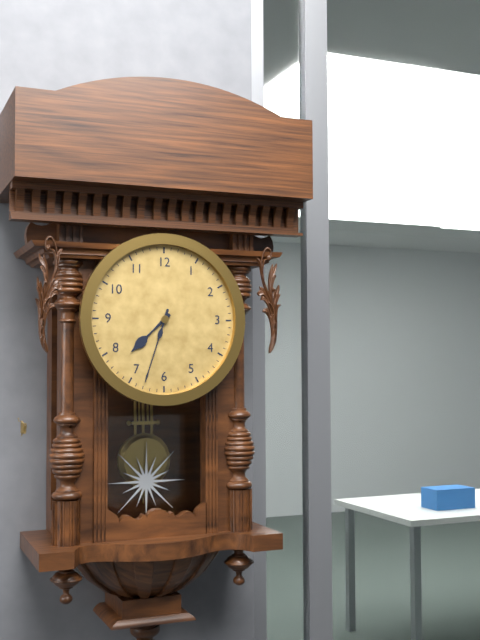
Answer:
7,33
